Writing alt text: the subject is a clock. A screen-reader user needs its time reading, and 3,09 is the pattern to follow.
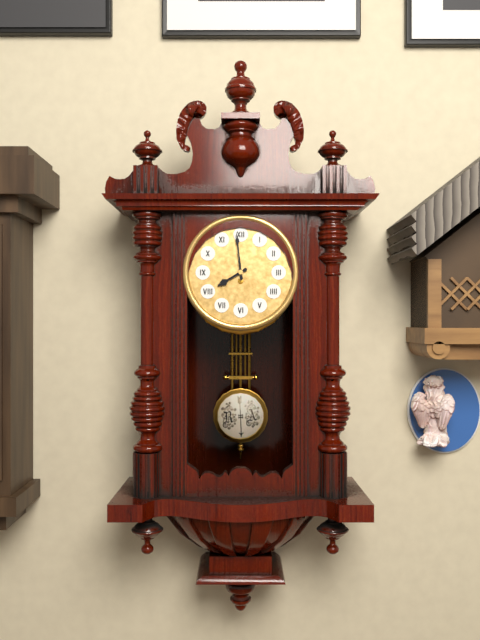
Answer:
7,59
